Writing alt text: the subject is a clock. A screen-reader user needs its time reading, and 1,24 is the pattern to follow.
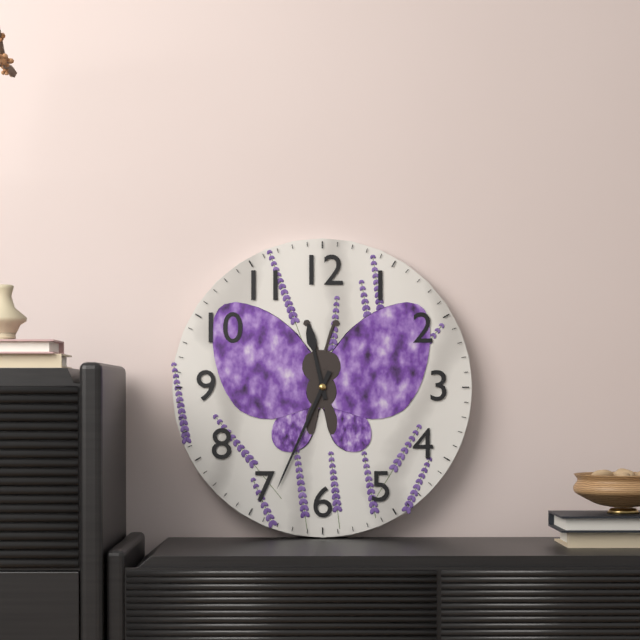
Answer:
11,34
